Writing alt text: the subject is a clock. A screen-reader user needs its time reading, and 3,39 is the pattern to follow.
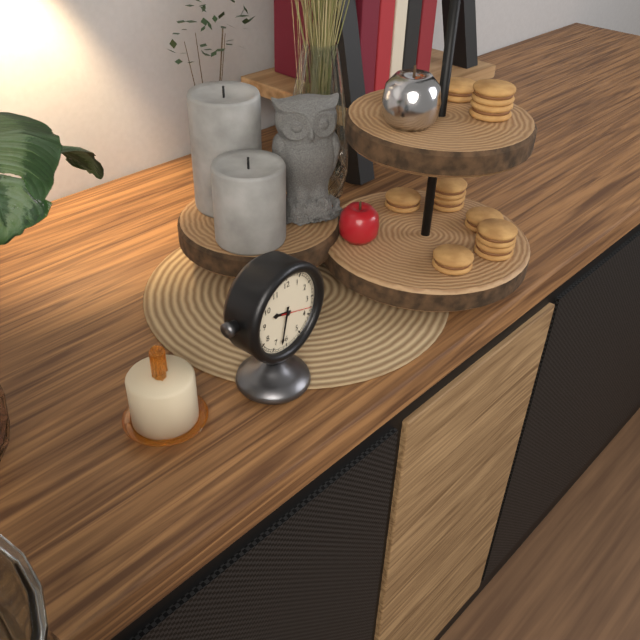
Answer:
9,32
